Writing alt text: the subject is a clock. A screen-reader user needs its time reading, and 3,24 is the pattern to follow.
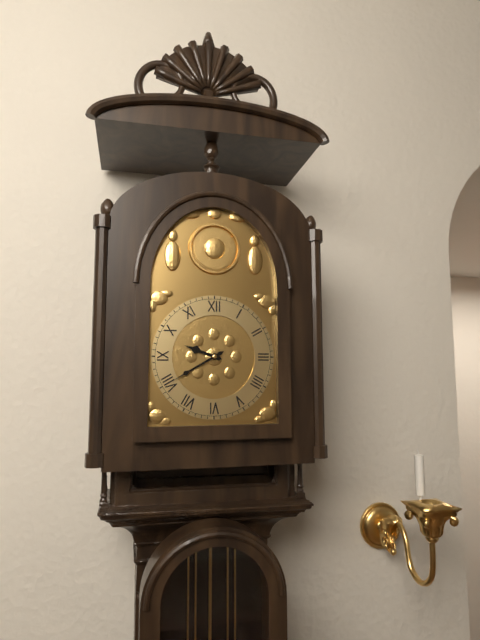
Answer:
9,40
